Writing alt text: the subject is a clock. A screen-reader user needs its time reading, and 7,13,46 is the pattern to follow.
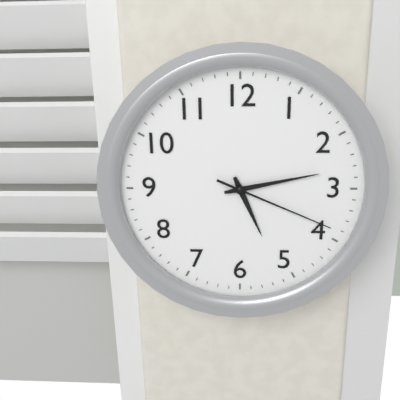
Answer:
5,13,19
